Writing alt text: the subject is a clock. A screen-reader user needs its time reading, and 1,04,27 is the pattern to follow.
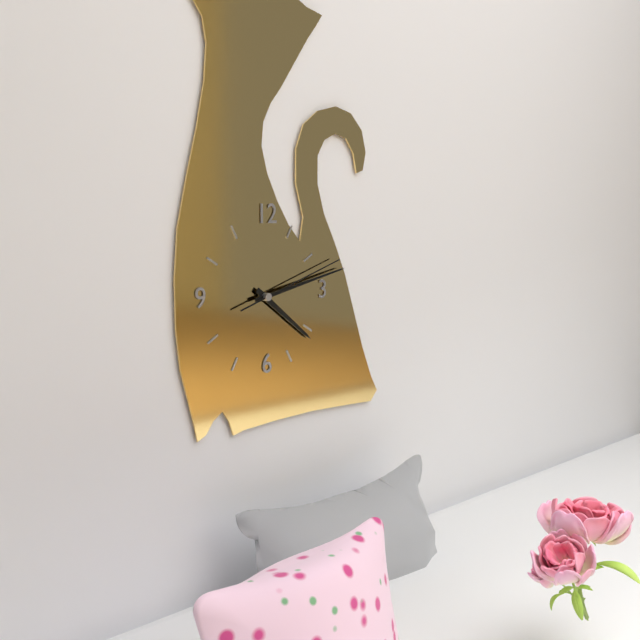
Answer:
4,13,12
